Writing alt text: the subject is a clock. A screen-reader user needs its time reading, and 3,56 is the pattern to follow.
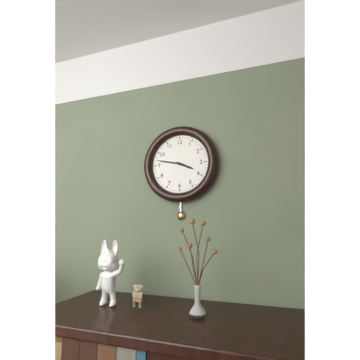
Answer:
3,47
